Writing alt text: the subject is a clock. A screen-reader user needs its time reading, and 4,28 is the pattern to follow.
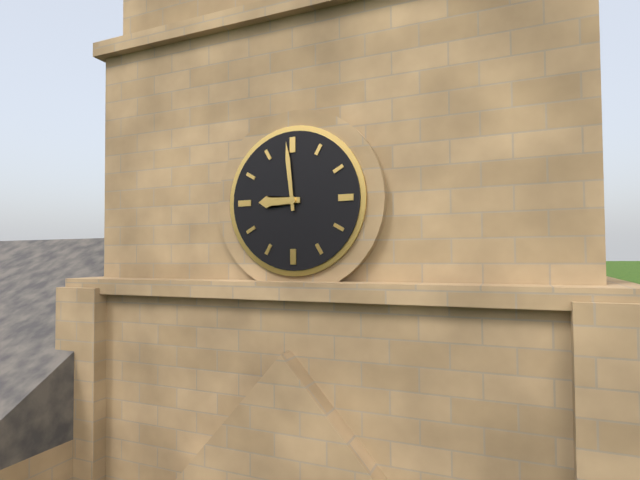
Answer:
8,59
